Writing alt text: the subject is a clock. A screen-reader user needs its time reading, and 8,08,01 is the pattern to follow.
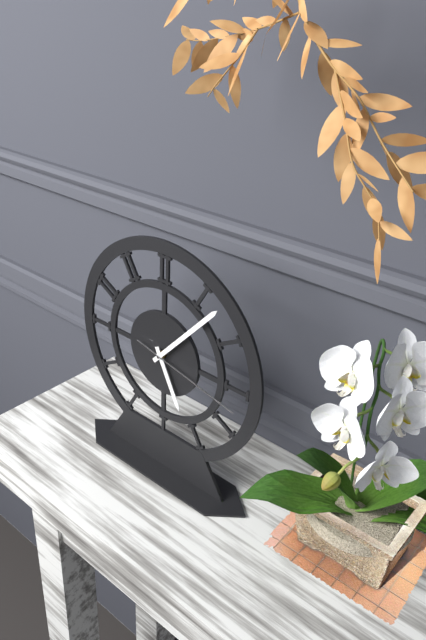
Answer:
5,07,17
